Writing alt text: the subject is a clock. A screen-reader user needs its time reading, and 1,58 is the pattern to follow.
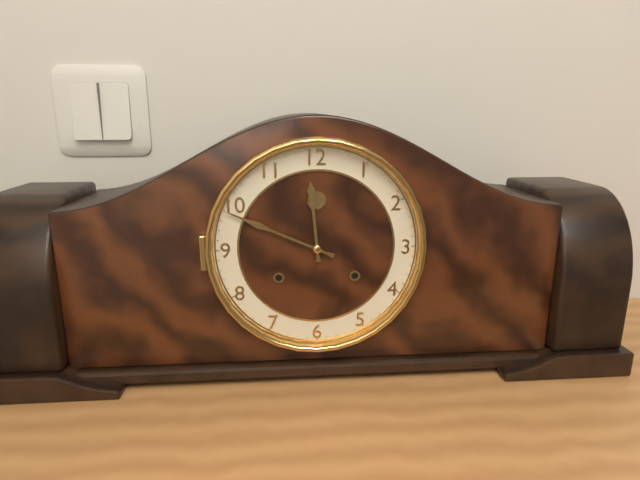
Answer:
11,49
